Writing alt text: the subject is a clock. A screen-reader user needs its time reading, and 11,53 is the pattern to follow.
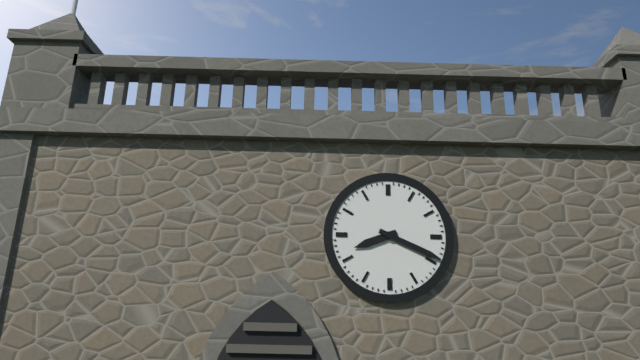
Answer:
8,19
